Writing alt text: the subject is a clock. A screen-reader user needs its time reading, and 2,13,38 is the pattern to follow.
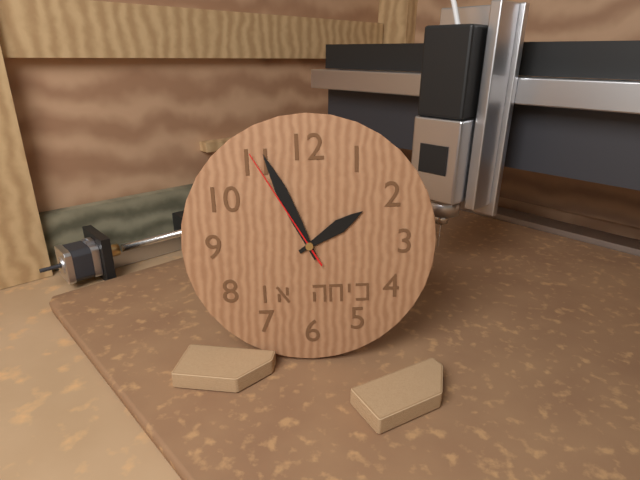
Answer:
1,56,55
